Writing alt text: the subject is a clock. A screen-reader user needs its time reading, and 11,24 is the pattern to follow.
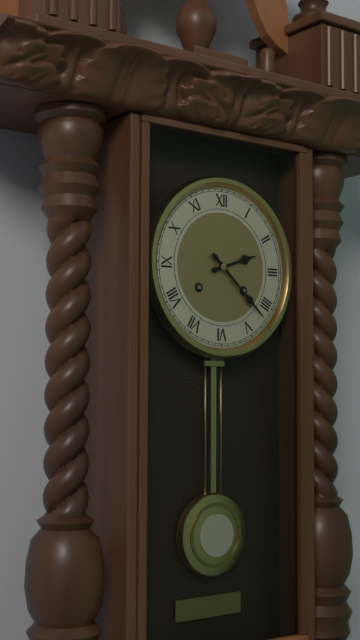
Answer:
2,22
